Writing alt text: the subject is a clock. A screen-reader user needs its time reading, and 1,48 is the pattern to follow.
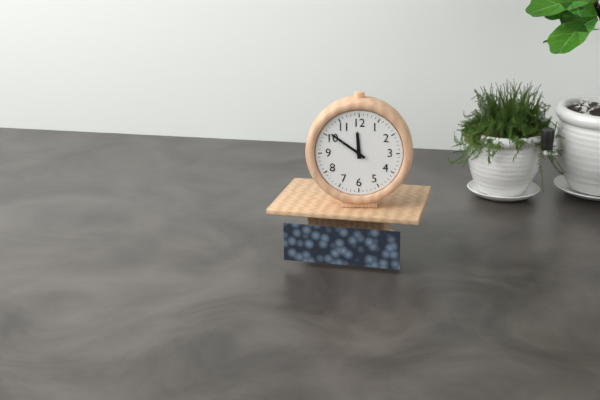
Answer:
11,51
